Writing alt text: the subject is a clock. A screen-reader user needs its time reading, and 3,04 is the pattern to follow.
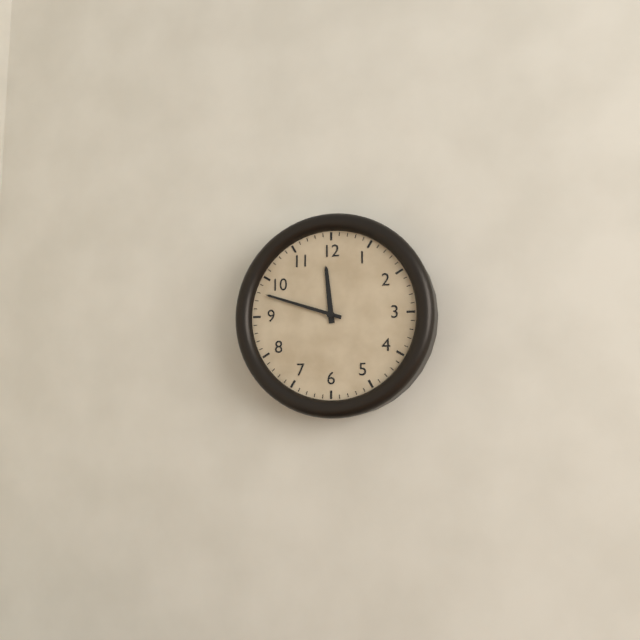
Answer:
11,48
